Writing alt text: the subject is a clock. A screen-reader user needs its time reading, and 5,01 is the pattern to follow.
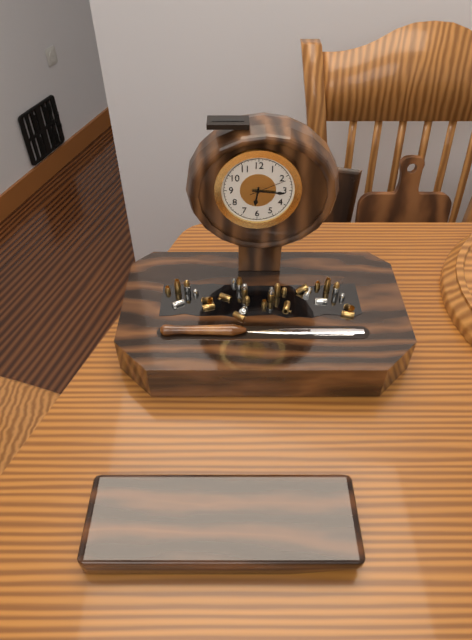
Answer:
6,16
